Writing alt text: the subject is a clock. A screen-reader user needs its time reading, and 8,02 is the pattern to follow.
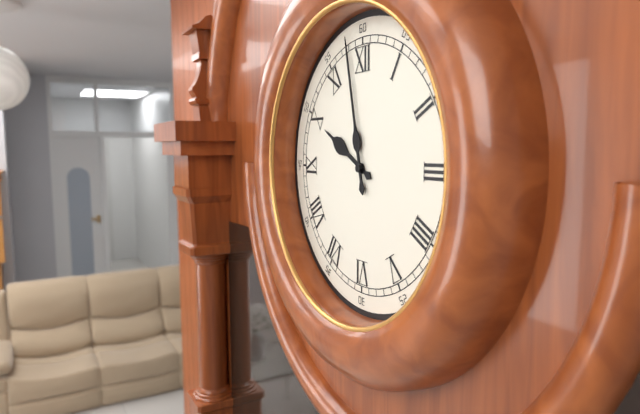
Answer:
9,58
